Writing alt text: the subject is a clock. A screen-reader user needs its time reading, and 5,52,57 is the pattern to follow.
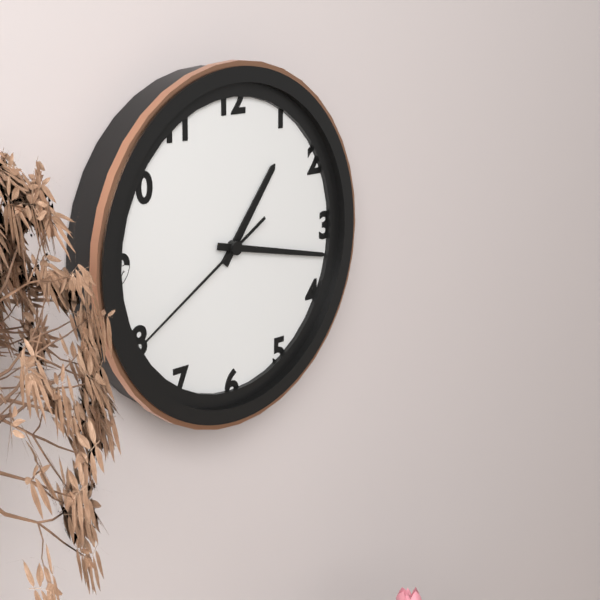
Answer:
1,17,40
